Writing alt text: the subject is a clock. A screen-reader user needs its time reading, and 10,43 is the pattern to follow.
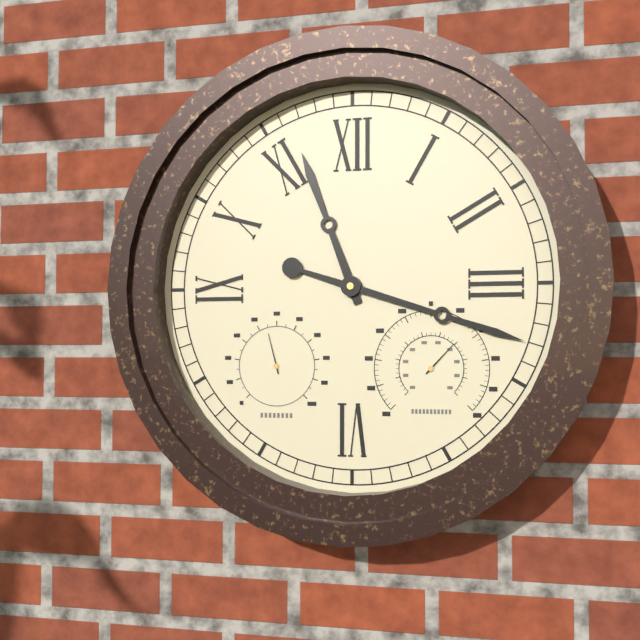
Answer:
11,18
